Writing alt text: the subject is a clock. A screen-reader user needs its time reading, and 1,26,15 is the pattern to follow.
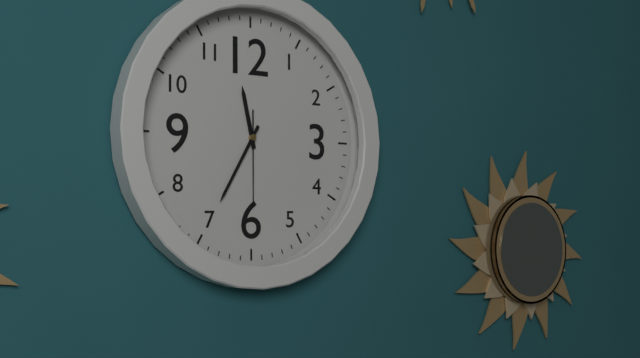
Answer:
11,35,30
